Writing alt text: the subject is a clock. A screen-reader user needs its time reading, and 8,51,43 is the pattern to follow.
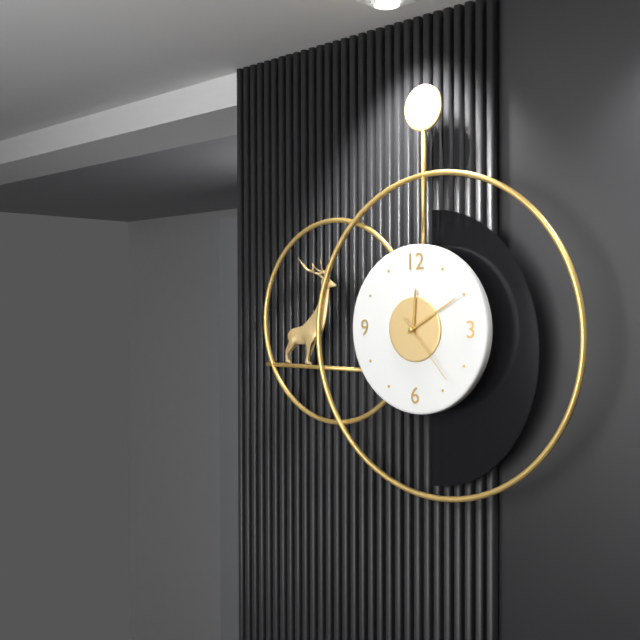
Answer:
12,10,23
